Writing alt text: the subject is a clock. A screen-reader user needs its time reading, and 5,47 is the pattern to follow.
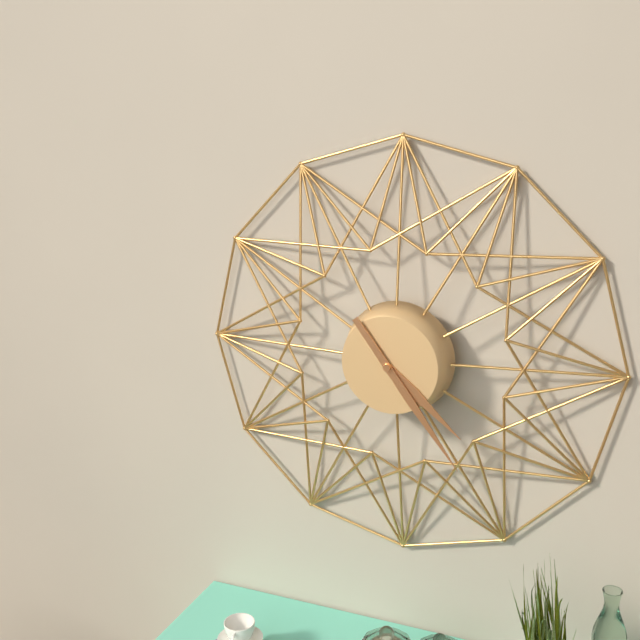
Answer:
4,24
